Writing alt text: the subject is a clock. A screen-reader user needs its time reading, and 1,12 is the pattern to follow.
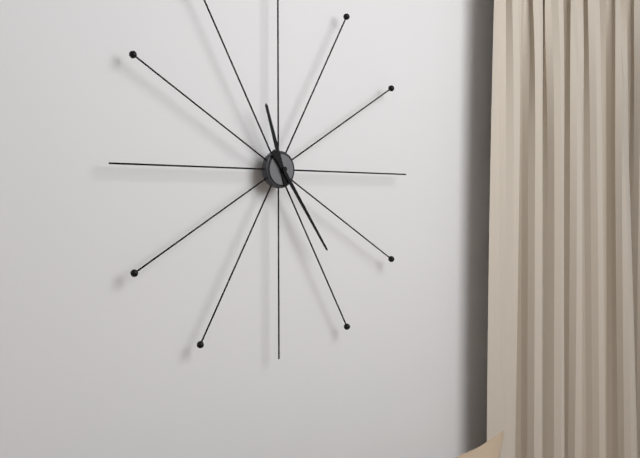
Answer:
11,24
